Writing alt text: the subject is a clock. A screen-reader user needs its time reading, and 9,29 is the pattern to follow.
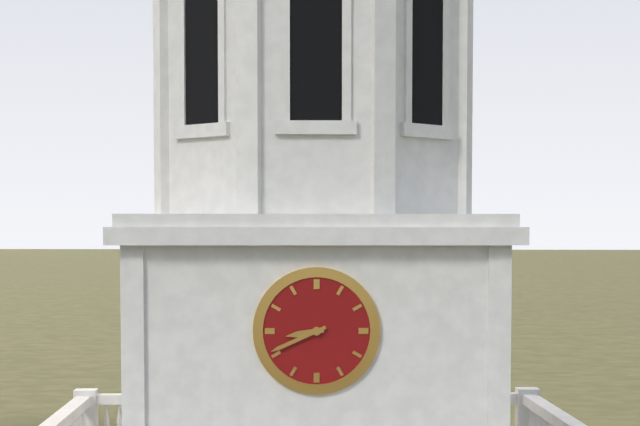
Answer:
8,41
